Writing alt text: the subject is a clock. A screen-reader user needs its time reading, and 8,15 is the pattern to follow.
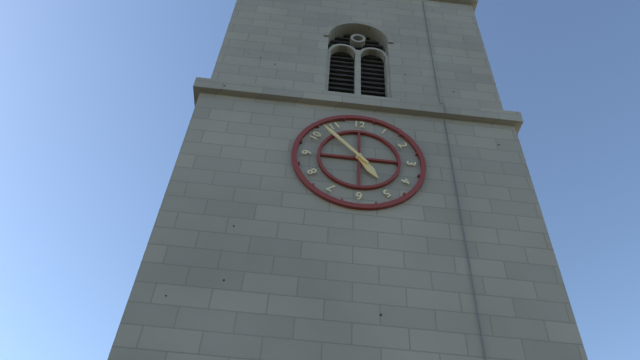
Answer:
4,53
